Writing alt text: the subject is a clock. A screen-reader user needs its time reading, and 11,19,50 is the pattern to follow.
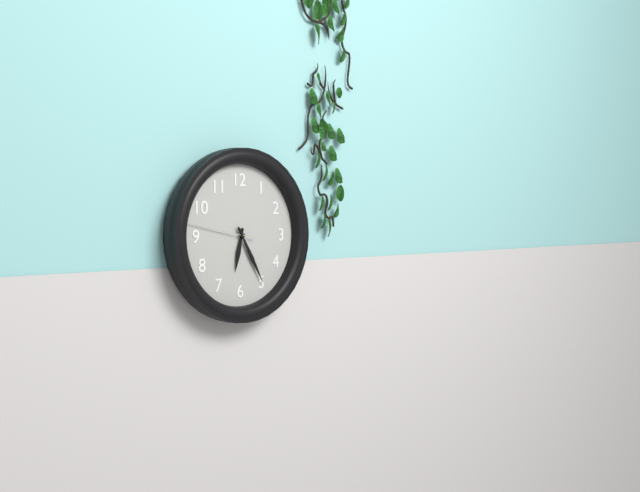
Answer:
6,25,47
